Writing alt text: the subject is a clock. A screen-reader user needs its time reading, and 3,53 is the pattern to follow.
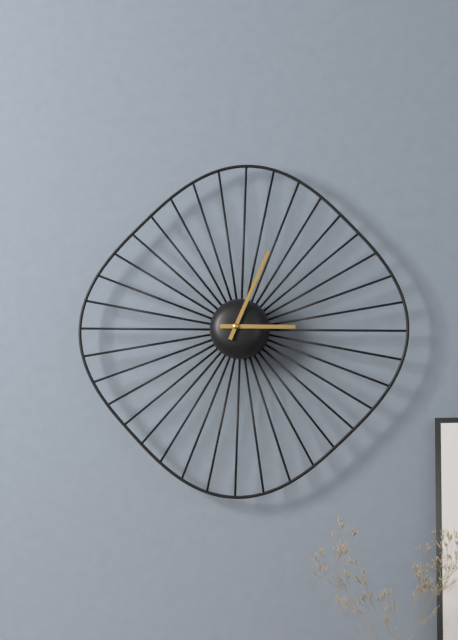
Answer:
3,04
